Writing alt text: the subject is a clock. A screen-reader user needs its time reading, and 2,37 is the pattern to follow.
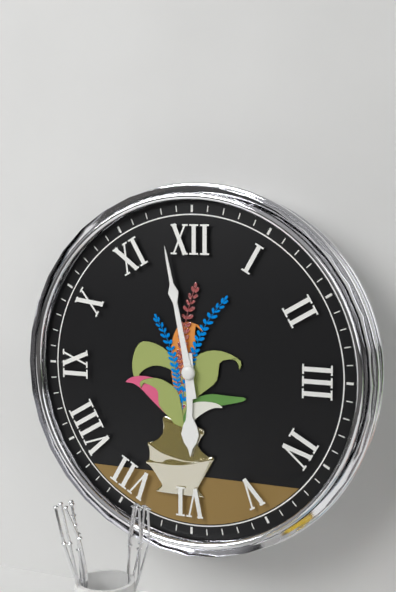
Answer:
5,58
